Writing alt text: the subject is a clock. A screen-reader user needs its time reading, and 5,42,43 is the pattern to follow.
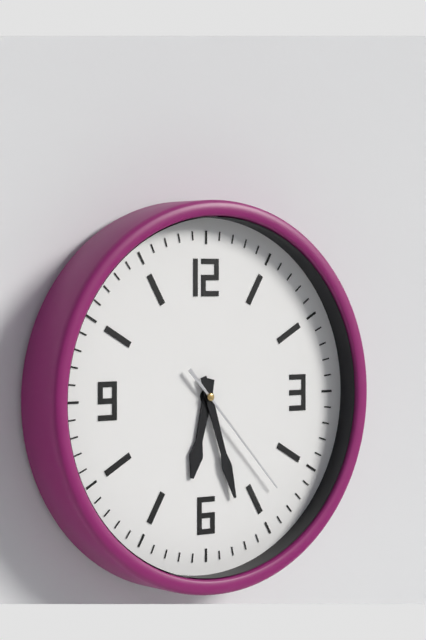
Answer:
6,27,23
